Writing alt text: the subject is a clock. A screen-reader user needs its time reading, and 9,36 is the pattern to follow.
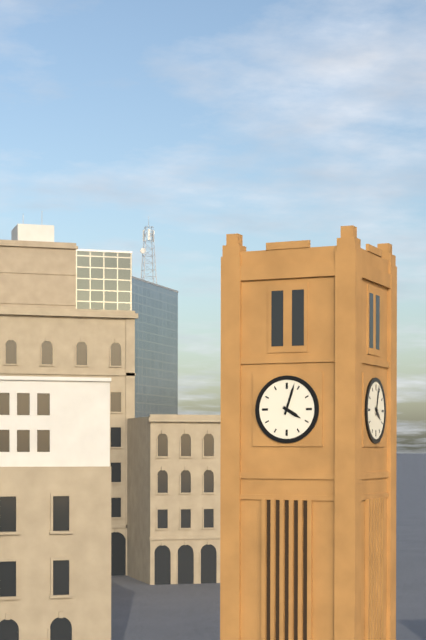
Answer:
4,03
